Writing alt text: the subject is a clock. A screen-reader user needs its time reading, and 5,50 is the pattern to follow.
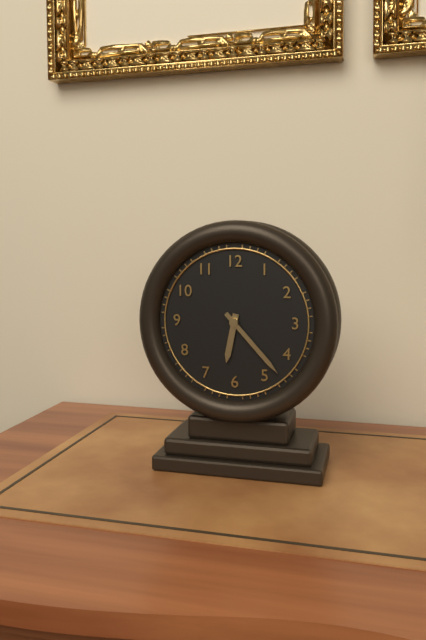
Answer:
6,23
